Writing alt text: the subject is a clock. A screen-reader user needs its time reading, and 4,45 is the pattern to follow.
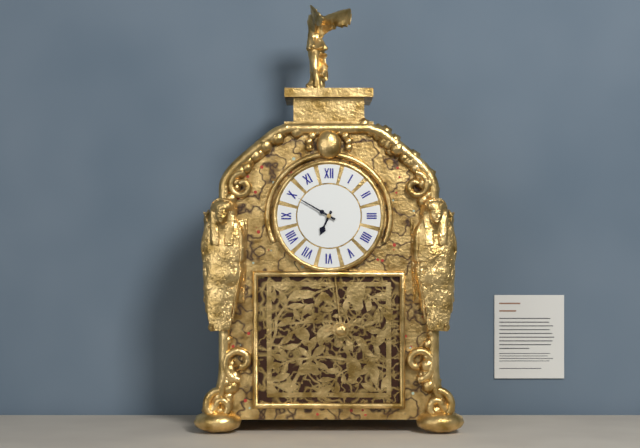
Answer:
6,50
